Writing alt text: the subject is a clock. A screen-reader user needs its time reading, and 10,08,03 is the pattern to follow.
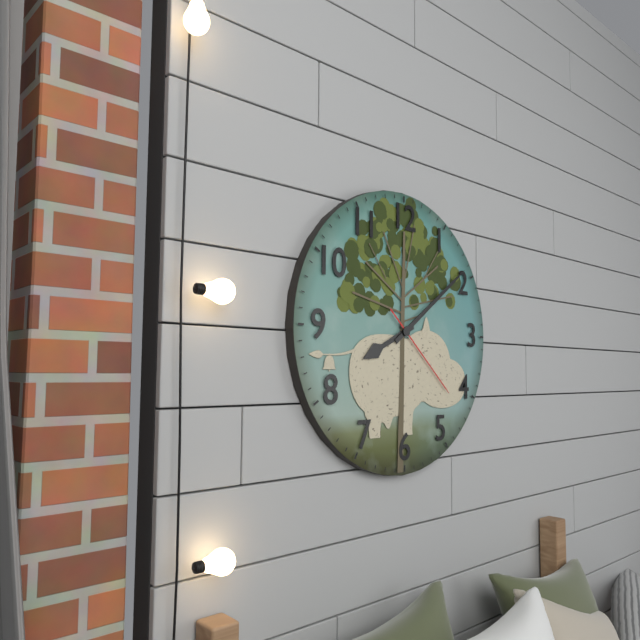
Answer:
8,09,22
